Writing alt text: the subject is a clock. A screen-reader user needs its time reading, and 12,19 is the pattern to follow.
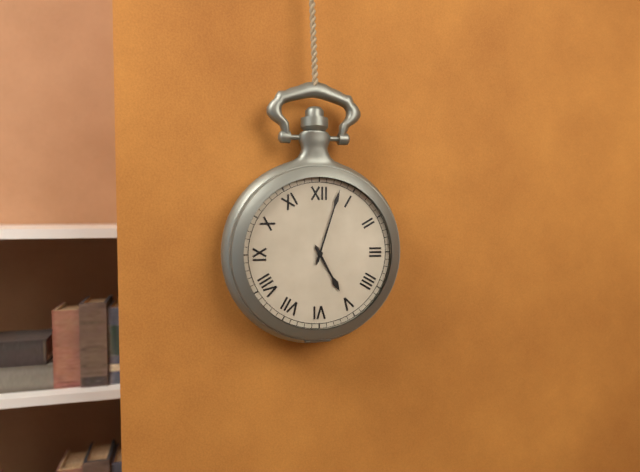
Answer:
5,03
